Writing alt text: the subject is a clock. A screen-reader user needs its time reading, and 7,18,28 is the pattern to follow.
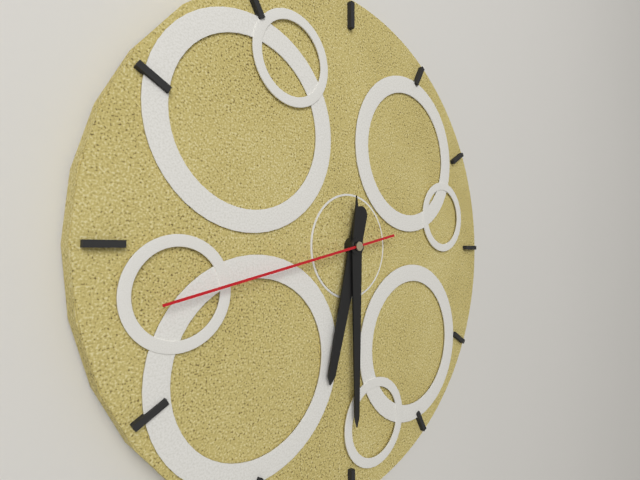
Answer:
6,30,43
